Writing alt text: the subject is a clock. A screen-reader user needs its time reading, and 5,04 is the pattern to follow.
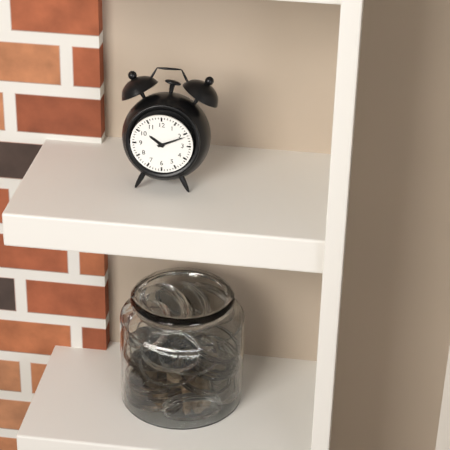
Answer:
10,11
